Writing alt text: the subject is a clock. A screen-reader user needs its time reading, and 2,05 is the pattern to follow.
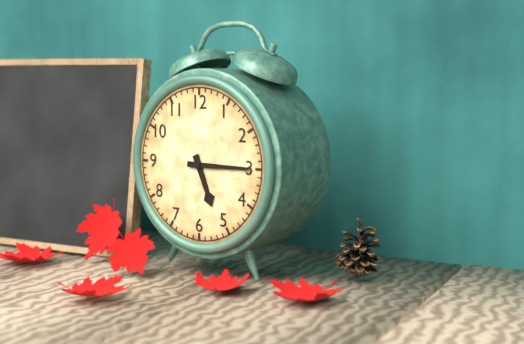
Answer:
5,15
